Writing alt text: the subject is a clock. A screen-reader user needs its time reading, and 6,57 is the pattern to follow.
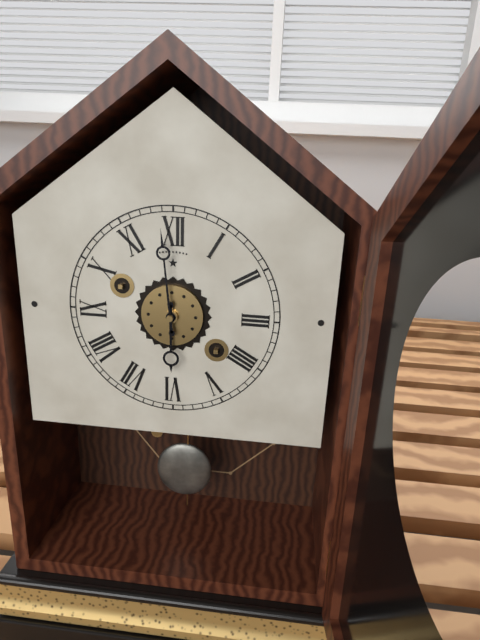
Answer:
5,59
